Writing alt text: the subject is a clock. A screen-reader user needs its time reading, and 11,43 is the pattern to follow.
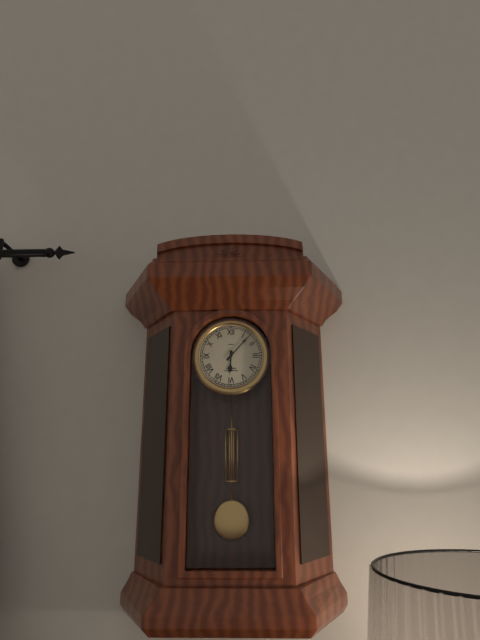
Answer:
6,07
